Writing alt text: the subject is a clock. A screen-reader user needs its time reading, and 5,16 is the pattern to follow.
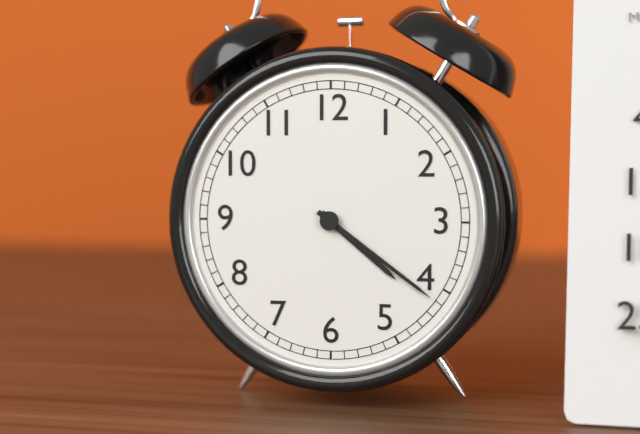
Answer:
4,21
